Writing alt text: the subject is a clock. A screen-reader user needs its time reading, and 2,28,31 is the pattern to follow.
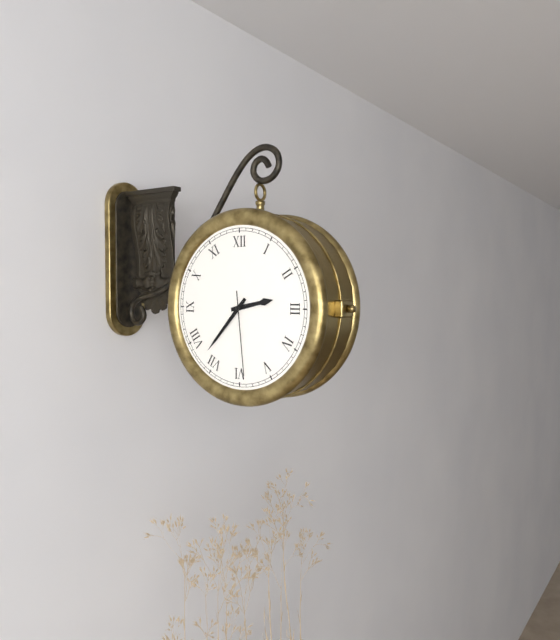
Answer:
2,37,29
